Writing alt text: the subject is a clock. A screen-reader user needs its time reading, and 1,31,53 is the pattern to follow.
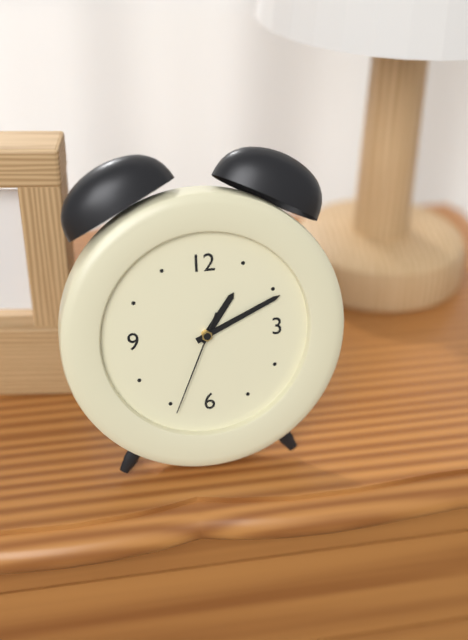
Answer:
1,11,34
